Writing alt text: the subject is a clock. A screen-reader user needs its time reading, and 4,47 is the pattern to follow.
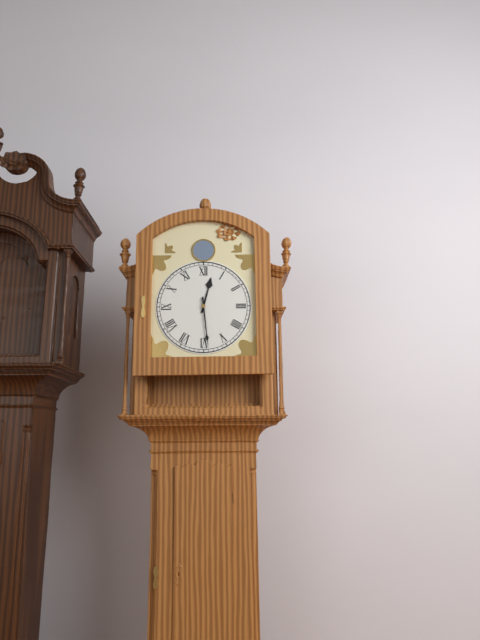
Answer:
12,29
